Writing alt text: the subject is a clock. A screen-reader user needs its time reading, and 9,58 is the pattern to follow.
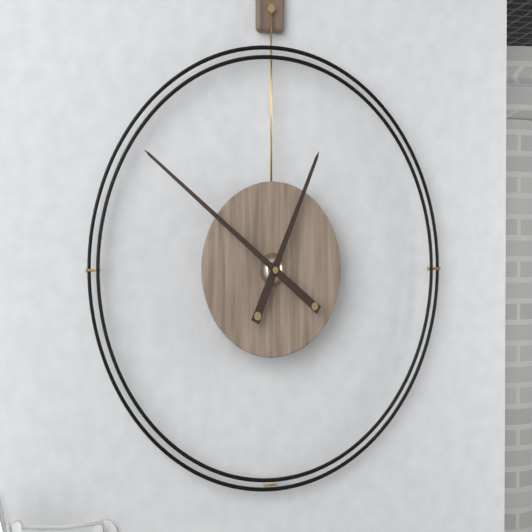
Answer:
12,51
